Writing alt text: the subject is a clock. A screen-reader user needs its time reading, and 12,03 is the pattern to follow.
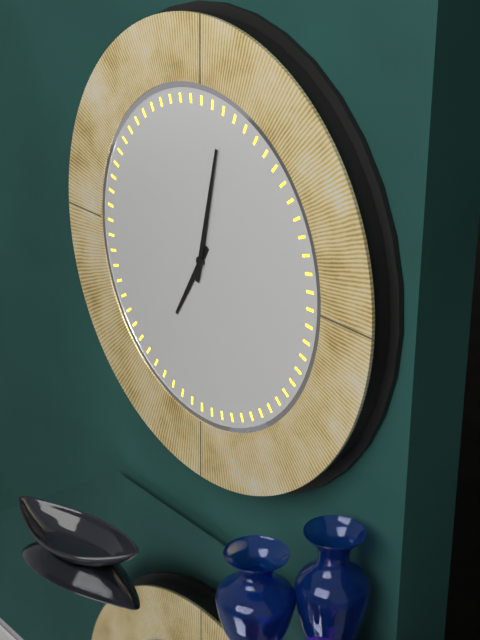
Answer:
7,02
